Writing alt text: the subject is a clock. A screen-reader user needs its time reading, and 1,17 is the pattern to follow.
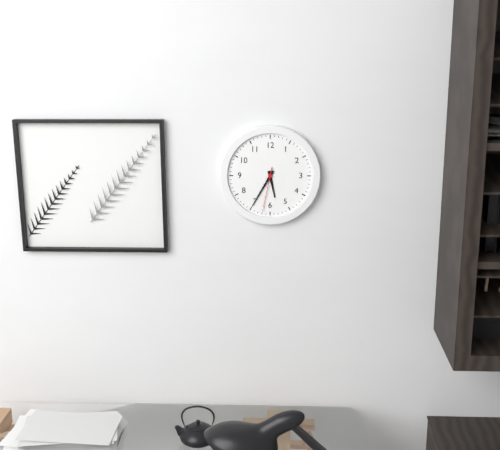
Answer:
5,35
